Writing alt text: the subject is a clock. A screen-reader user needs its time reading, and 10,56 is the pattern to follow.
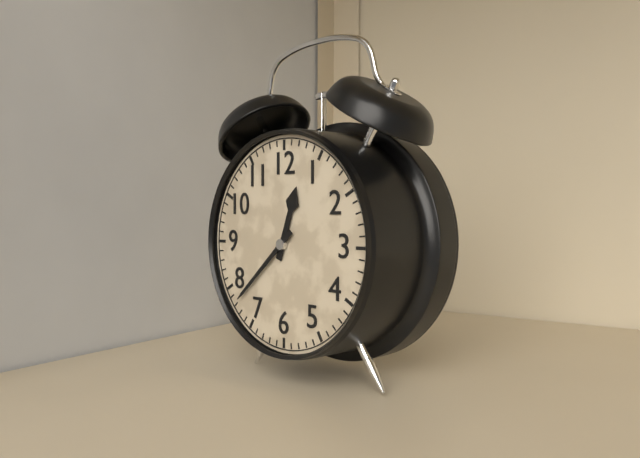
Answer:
12,38
